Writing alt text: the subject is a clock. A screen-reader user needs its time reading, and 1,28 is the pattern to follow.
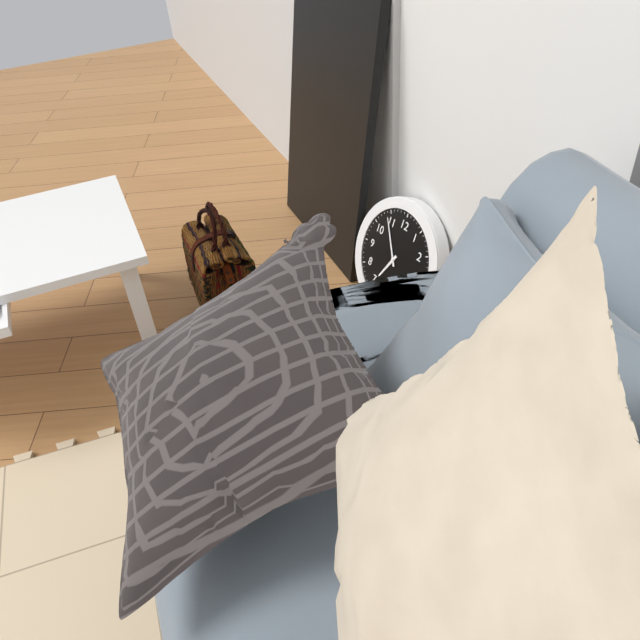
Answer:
6,54
